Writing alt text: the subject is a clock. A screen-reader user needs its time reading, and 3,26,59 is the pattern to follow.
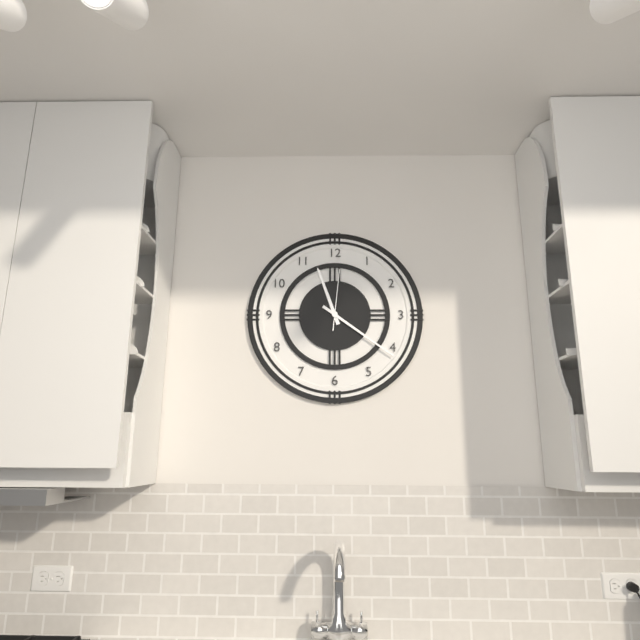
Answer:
11,21,01
